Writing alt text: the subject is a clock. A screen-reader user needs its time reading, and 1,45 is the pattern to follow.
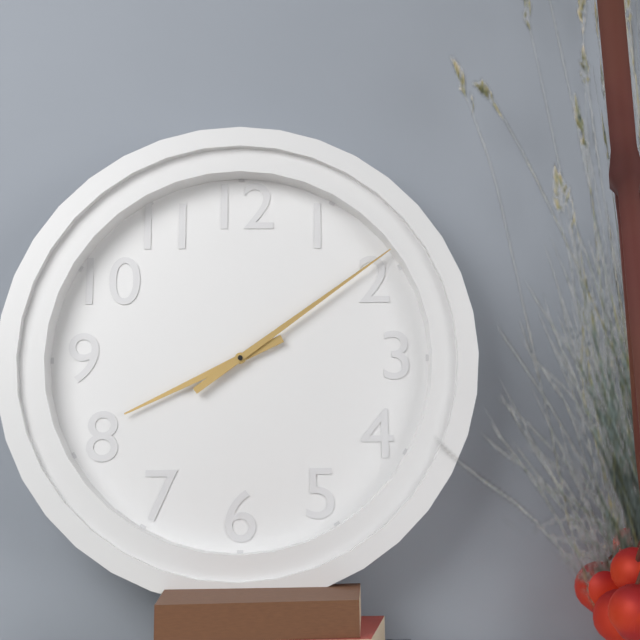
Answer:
8,09
